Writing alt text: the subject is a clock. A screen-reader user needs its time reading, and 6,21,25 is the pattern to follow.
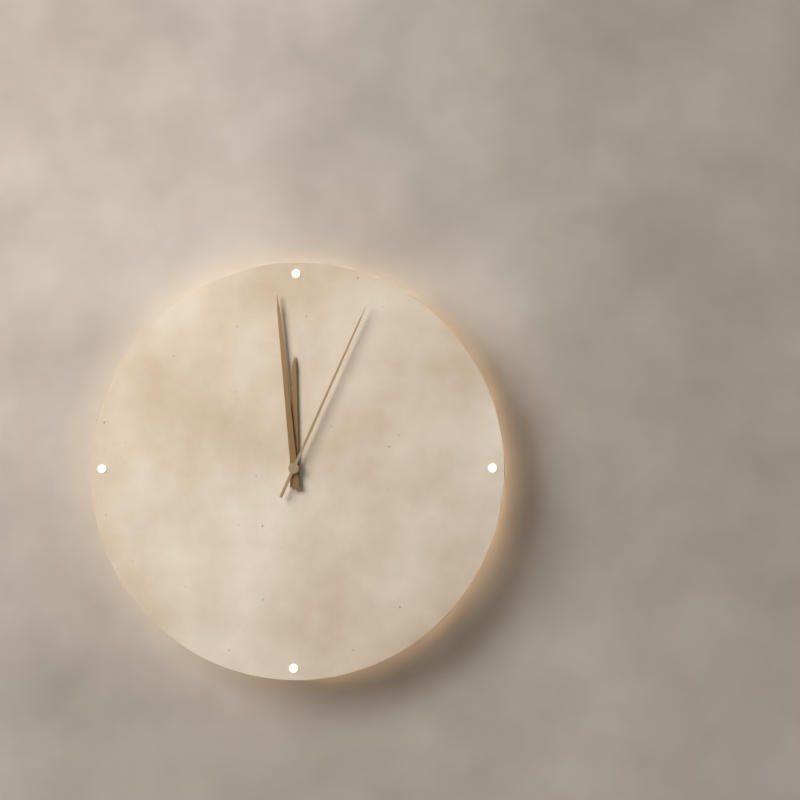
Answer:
11,59,04
